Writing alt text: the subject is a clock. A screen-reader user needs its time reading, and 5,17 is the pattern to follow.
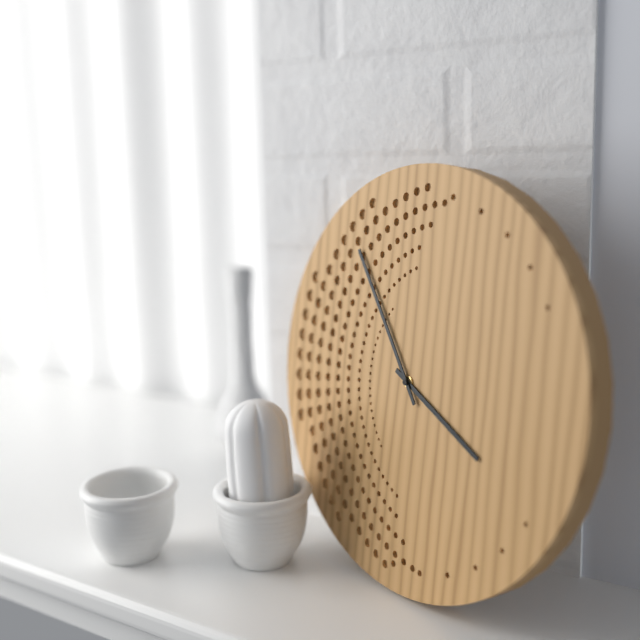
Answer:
3,54
